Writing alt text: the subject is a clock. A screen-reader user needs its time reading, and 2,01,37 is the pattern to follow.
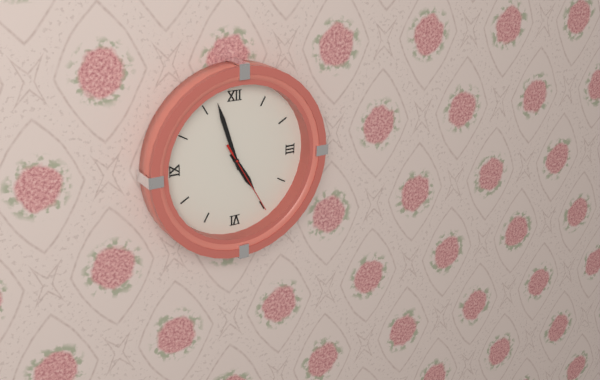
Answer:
4,57,25
